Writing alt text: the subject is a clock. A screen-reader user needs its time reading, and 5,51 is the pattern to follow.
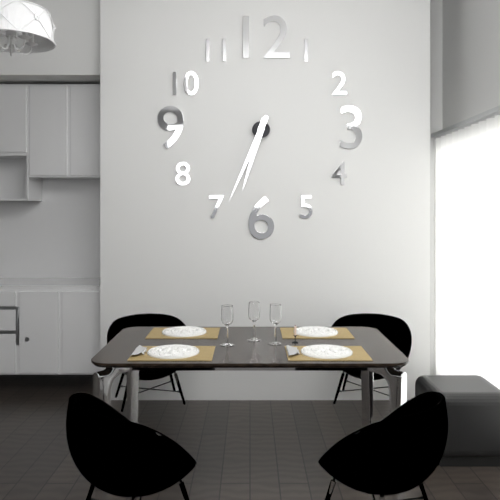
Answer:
6,34
